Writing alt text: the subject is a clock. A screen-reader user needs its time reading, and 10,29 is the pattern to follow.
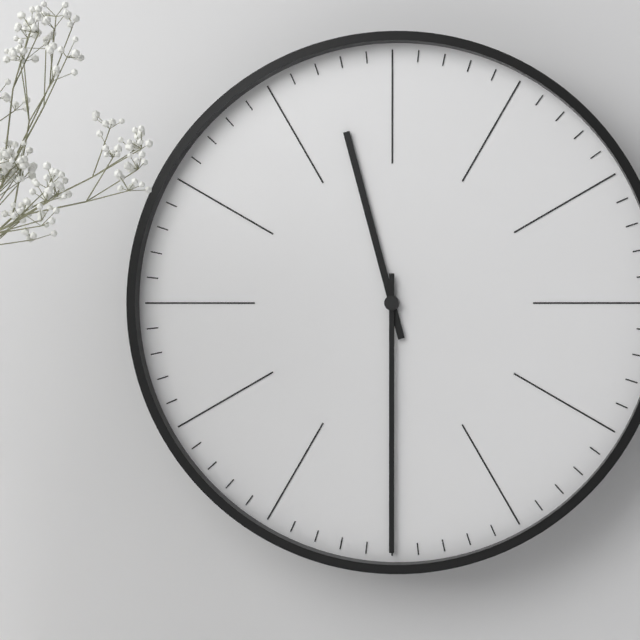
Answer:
11,30
